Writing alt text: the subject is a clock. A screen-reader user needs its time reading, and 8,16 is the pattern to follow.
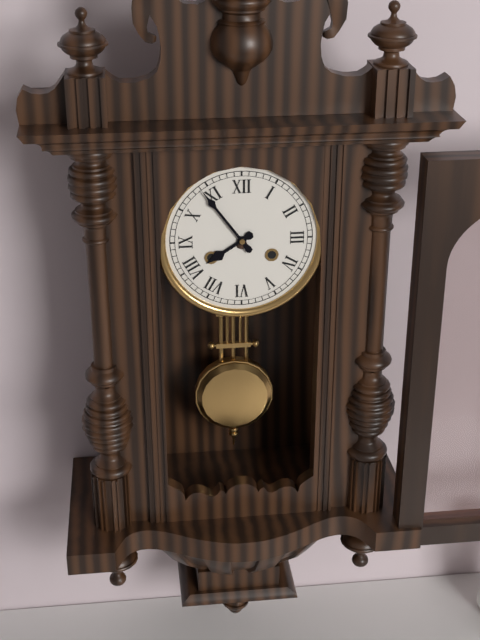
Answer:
7,54
